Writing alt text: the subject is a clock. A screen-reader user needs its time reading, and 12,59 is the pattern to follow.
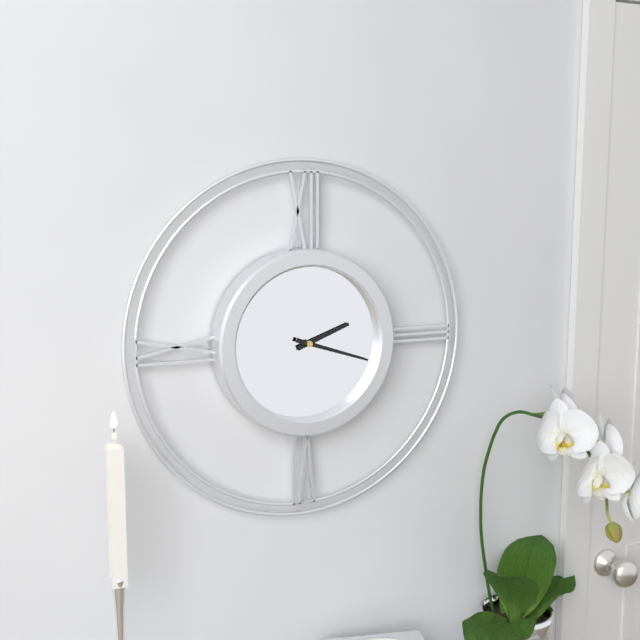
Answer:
2,18
